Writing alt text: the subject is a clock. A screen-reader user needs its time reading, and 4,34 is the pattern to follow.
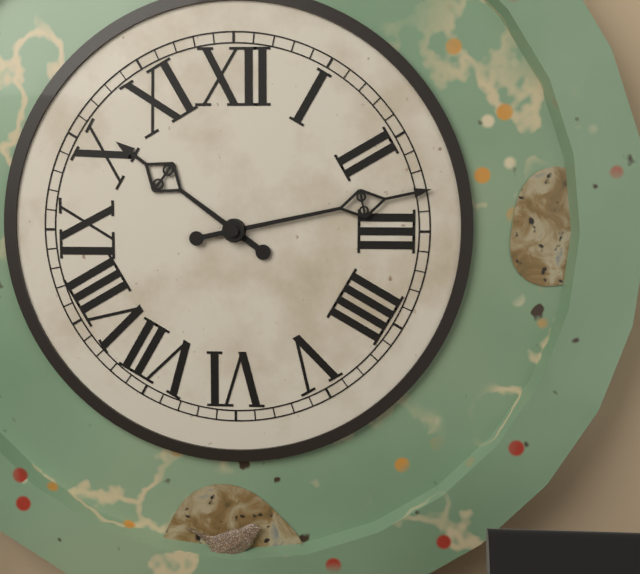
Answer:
10,13
